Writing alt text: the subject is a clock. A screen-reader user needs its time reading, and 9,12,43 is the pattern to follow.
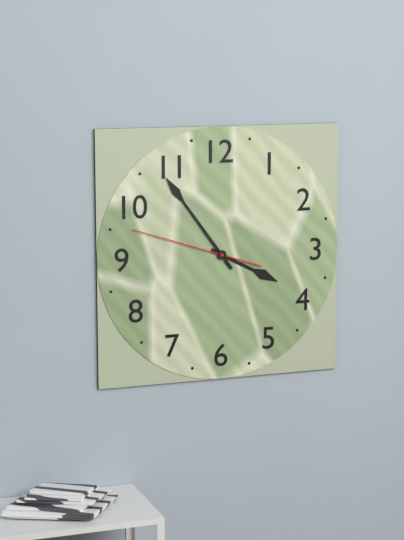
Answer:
3,54,48
